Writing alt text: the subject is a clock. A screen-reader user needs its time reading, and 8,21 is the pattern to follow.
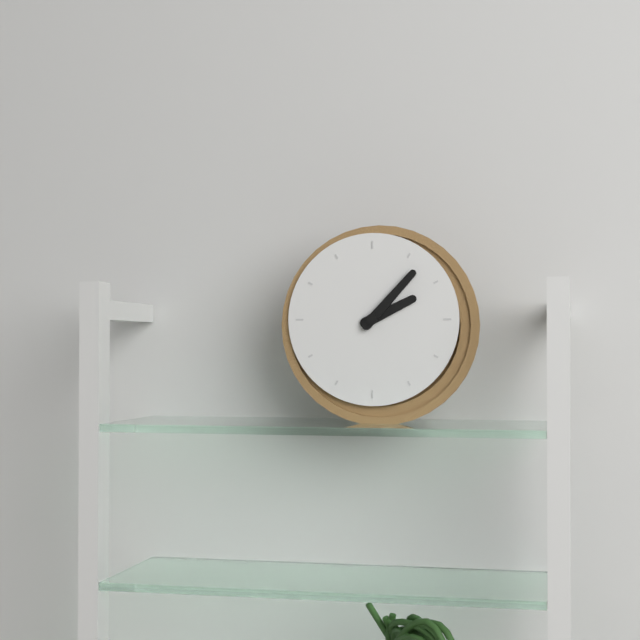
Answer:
2,07
